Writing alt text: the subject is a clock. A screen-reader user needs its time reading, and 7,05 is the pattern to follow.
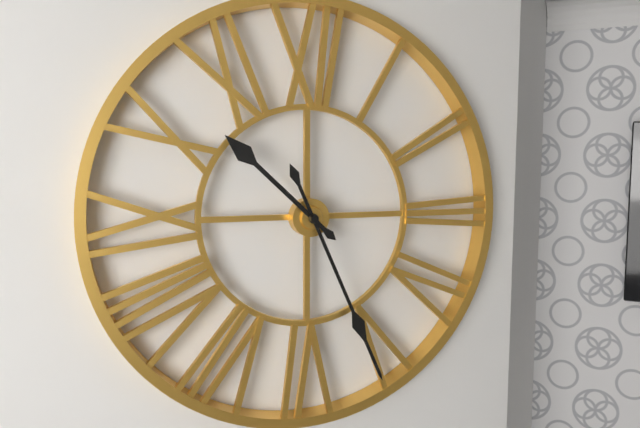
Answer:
10,26
